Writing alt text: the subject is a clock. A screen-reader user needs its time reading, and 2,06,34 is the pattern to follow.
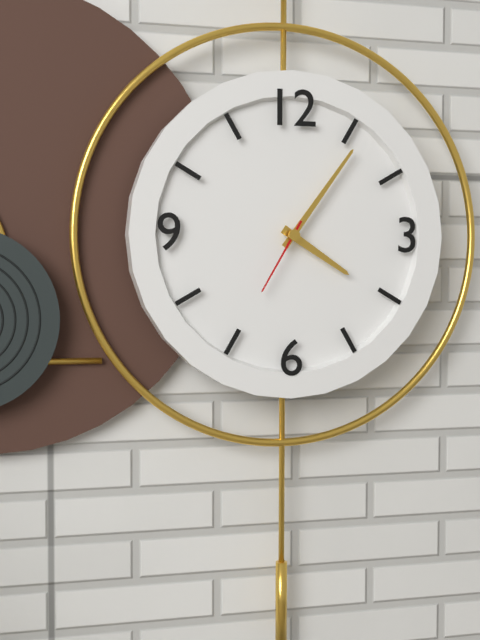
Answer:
4,06,35
